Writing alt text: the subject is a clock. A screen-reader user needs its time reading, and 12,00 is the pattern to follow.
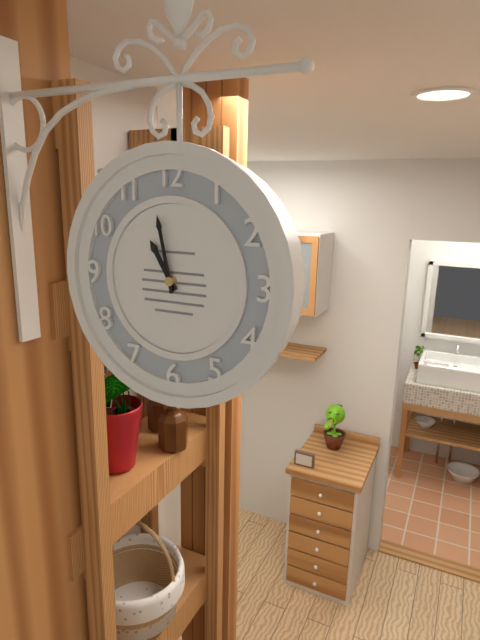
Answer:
10,58
